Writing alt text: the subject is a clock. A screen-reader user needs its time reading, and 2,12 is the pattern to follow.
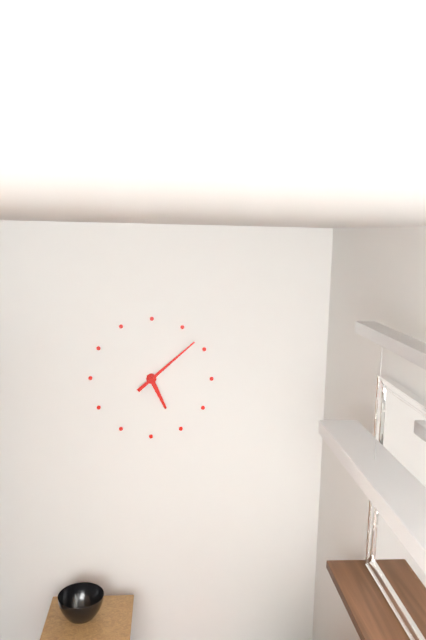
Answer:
5,08
